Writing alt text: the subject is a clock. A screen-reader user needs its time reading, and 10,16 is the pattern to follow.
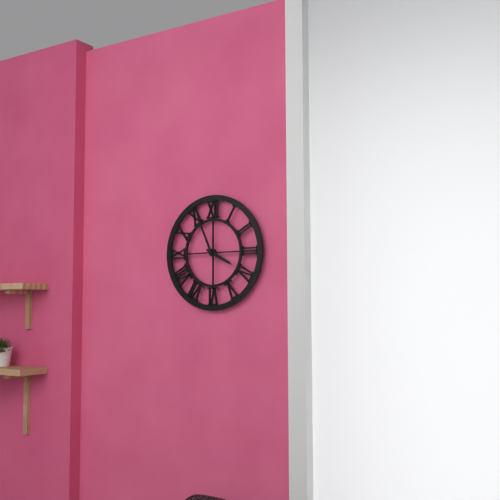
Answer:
3,56
